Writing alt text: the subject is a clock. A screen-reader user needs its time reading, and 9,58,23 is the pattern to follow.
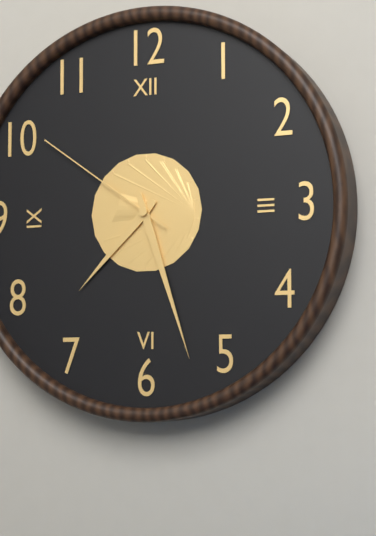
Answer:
7,27,51
